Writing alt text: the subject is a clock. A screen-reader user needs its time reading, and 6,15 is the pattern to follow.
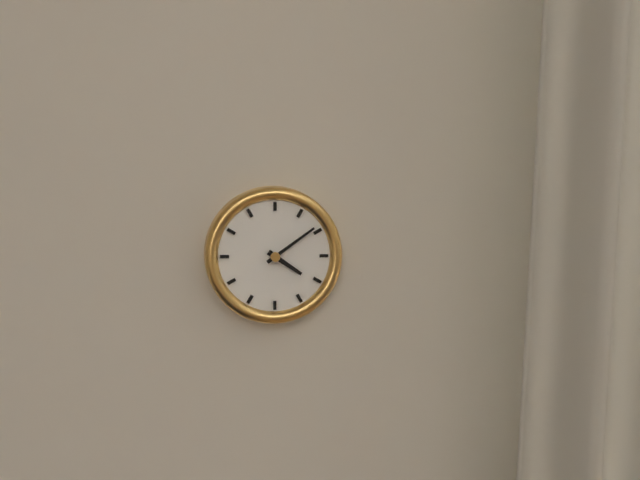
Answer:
4,09
